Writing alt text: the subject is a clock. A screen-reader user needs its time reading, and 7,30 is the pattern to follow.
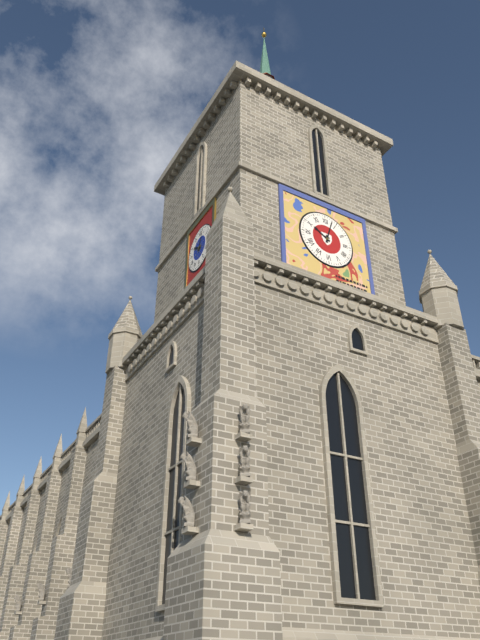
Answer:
10,03
